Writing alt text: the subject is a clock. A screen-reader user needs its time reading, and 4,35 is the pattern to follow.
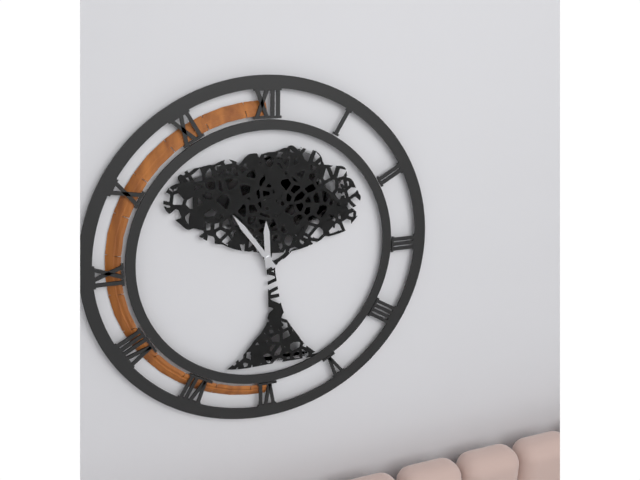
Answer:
11,54
